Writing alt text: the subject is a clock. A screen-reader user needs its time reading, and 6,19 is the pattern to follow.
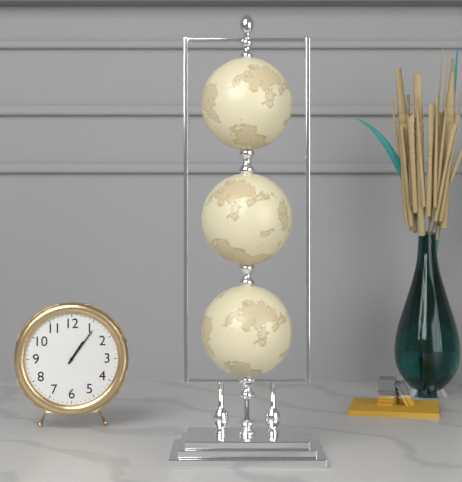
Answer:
1,06
